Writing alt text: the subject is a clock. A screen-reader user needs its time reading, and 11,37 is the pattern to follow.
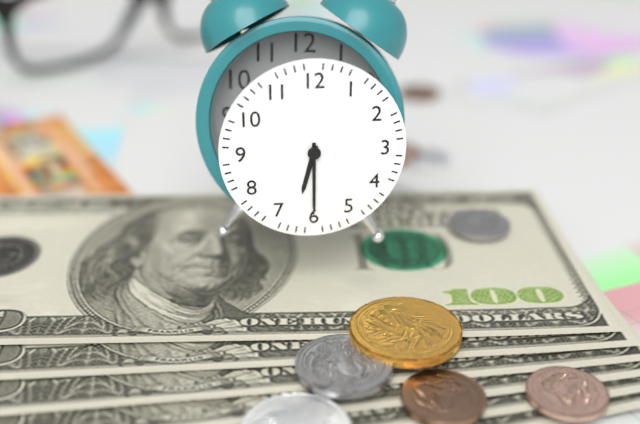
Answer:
6,30
